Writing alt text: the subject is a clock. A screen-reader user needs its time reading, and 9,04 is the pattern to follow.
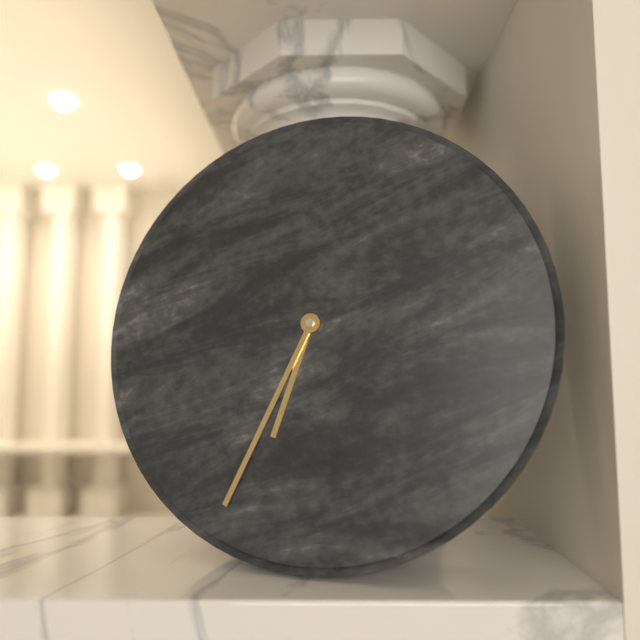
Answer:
6,34
